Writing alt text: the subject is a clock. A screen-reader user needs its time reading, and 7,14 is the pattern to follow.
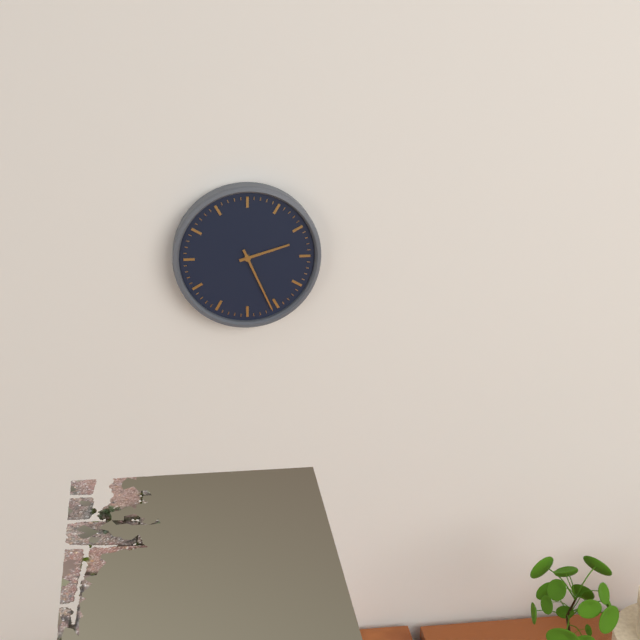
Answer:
2,26
